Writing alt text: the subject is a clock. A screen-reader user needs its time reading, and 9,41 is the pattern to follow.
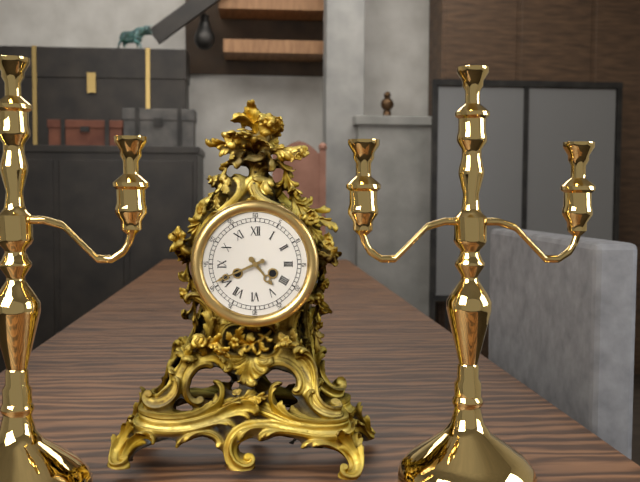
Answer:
4,41
